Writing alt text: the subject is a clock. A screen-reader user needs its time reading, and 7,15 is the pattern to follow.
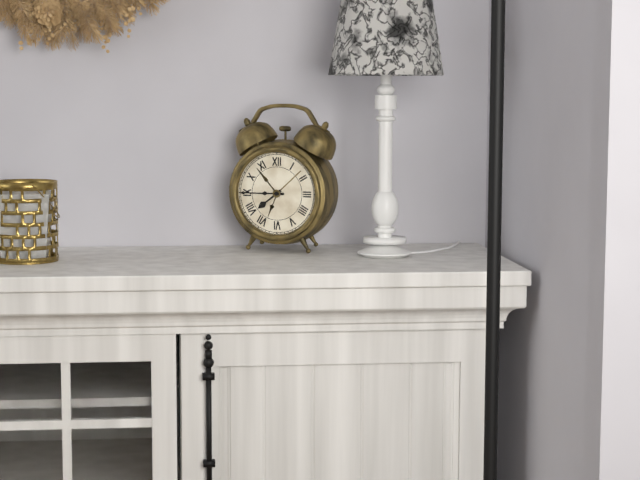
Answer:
7,45
